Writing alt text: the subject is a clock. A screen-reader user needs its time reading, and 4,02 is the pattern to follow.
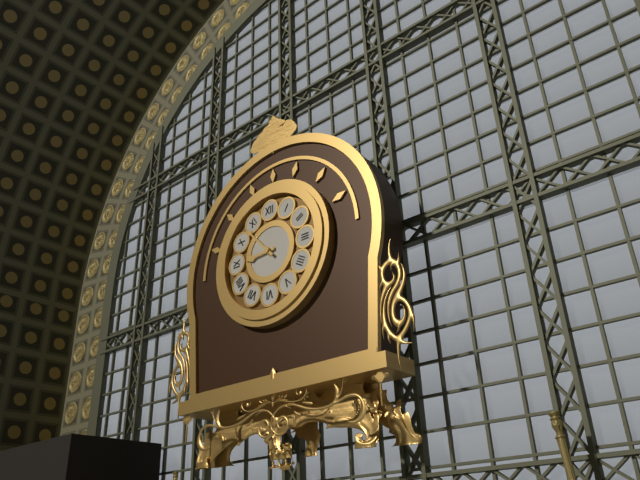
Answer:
8,53
